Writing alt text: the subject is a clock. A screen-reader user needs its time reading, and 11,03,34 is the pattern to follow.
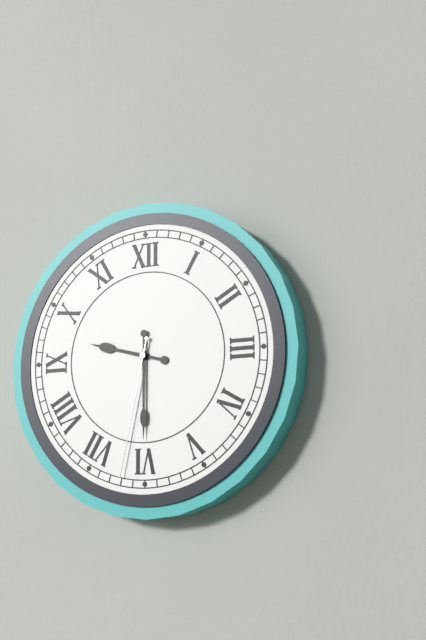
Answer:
9,30,32
